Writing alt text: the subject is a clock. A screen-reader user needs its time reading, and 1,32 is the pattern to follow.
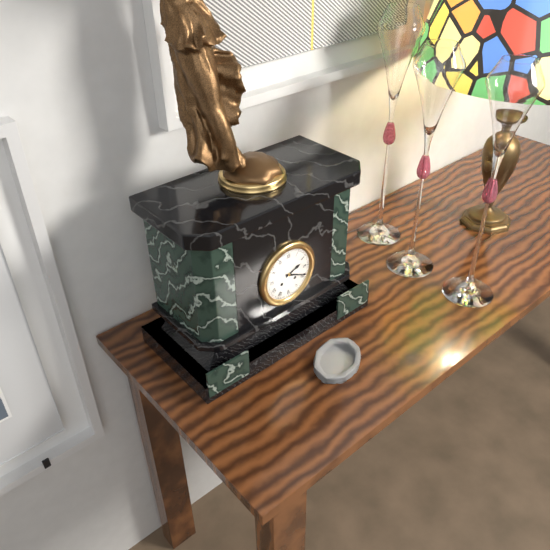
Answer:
2,19
